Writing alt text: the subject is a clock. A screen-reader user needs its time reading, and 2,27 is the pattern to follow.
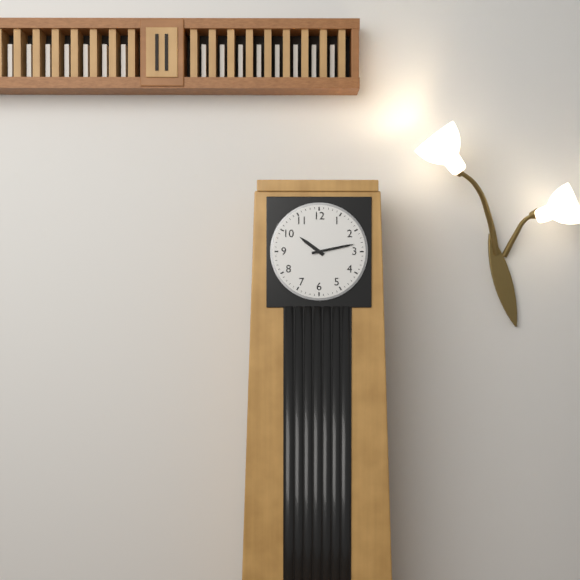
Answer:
10,13
